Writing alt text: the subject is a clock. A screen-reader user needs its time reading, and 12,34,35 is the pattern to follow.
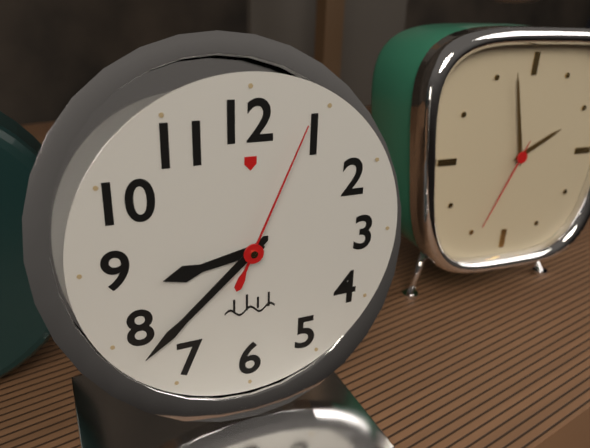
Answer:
8,38,04
